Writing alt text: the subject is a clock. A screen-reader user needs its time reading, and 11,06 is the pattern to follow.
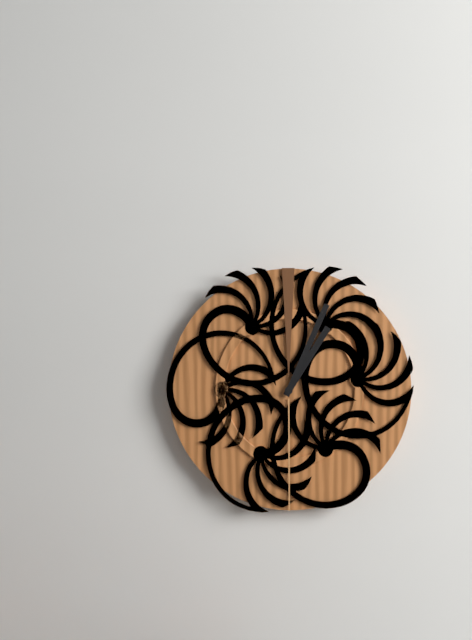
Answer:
1,04
